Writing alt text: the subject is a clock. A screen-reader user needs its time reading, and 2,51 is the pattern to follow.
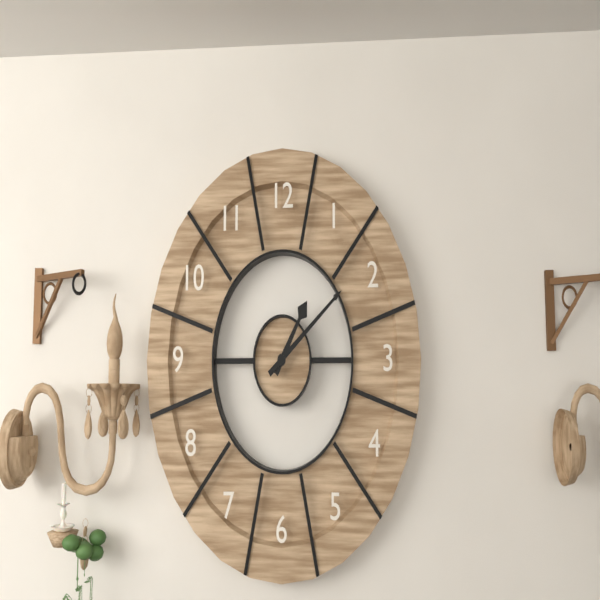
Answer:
1,09
